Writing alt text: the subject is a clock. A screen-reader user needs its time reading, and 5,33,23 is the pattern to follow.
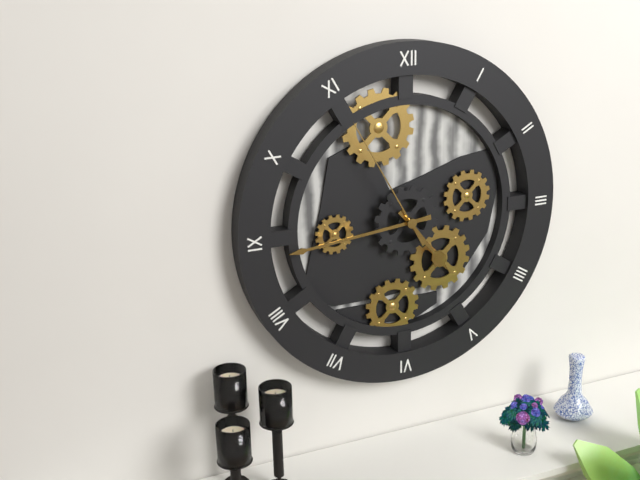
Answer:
4,44,55
